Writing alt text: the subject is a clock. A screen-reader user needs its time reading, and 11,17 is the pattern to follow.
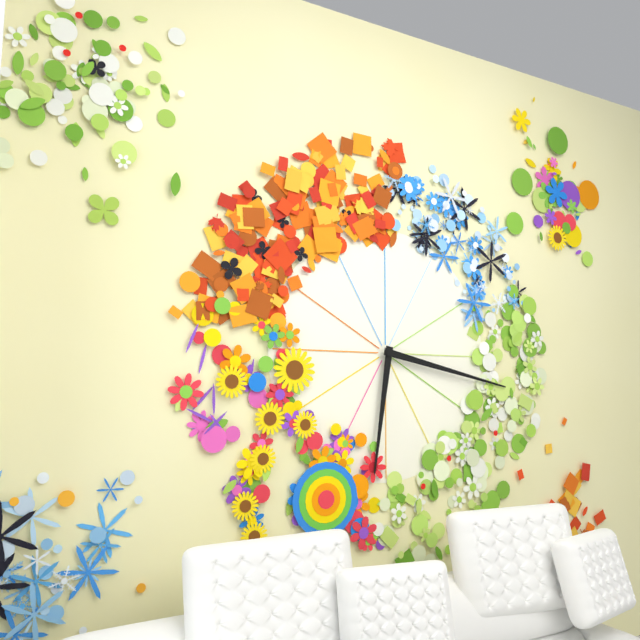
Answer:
6,17
